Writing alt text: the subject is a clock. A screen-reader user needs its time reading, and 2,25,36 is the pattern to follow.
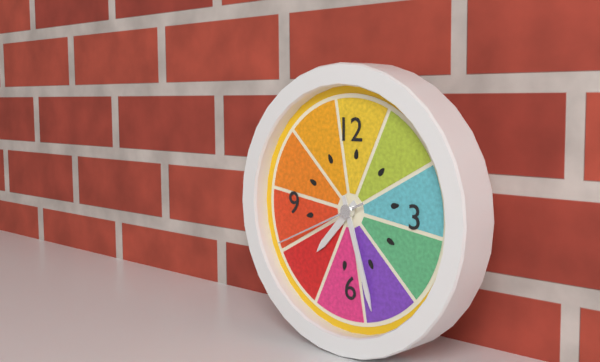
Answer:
7,27,41
